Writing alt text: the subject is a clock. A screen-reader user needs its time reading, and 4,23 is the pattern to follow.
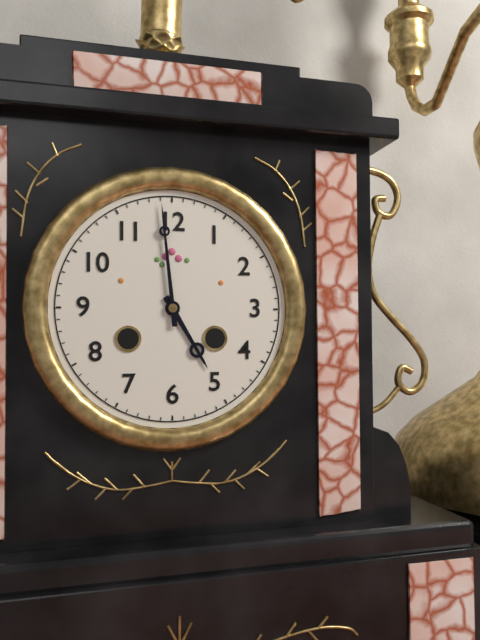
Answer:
4,59
